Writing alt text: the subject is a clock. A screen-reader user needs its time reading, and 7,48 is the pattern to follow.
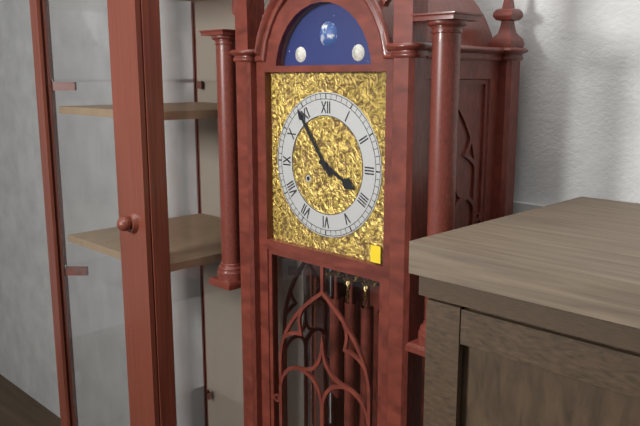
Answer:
3,54
